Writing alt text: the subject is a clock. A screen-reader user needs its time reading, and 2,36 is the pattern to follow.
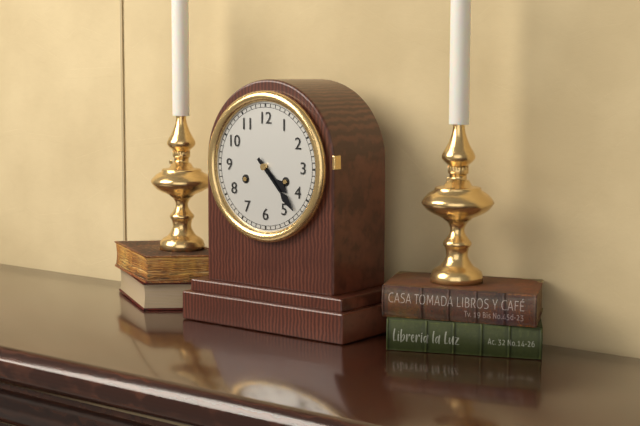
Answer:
4,23
